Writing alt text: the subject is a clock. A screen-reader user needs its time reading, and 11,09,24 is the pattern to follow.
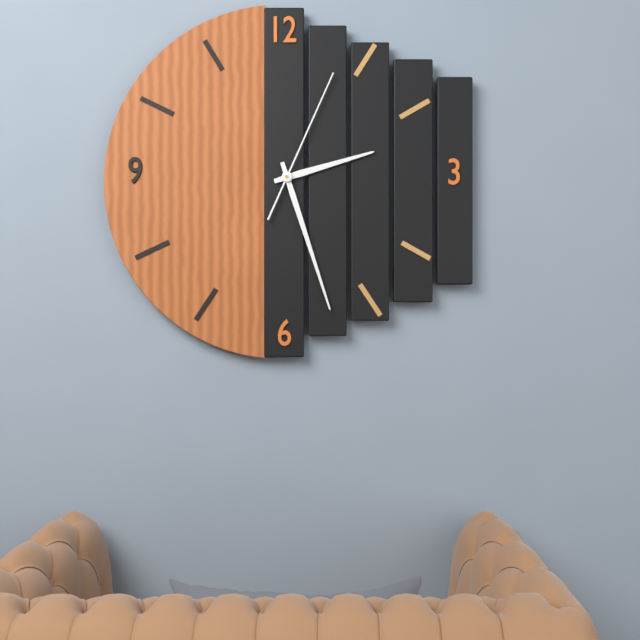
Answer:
2,27,04
